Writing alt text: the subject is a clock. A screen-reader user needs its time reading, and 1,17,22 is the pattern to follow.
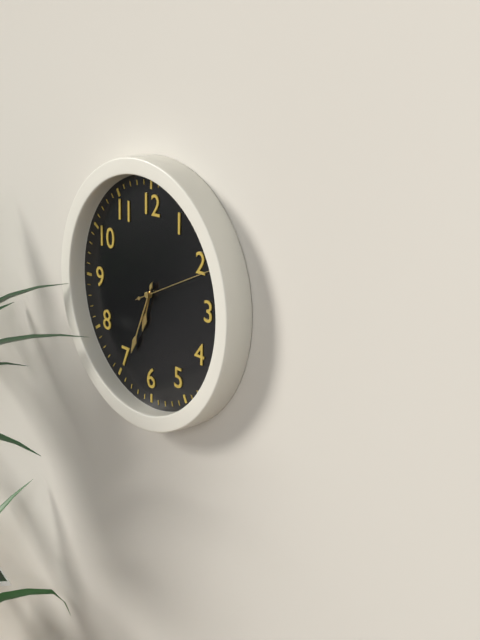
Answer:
6,34,11
